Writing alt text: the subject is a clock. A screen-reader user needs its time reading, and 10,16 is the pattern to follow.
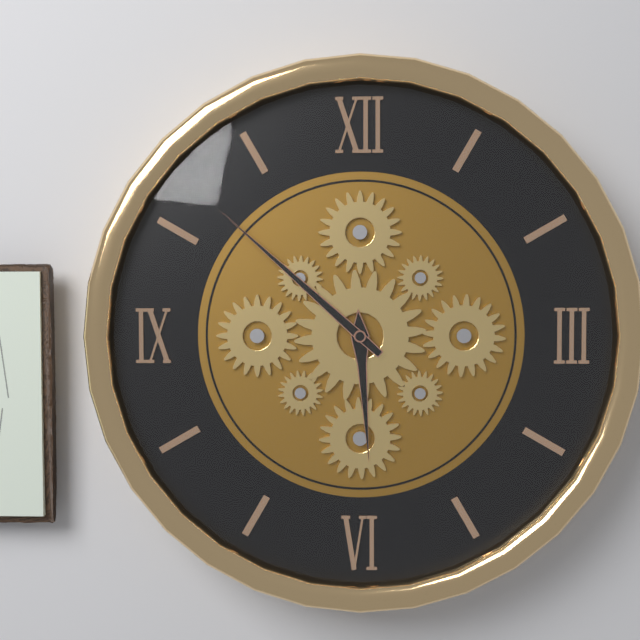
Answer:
5,52
